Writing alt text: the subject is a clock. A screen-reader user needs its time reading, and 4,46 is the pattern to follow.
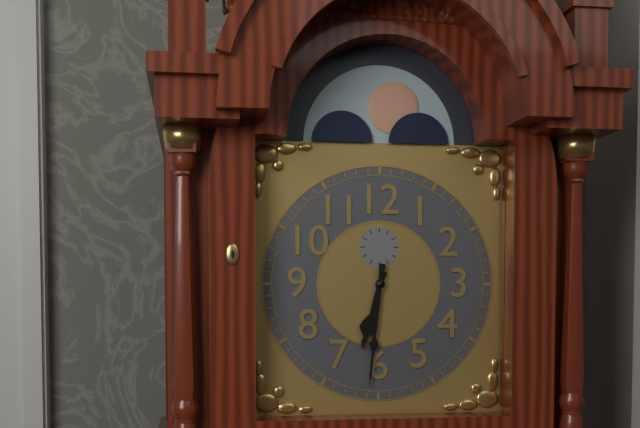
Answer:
6,31
